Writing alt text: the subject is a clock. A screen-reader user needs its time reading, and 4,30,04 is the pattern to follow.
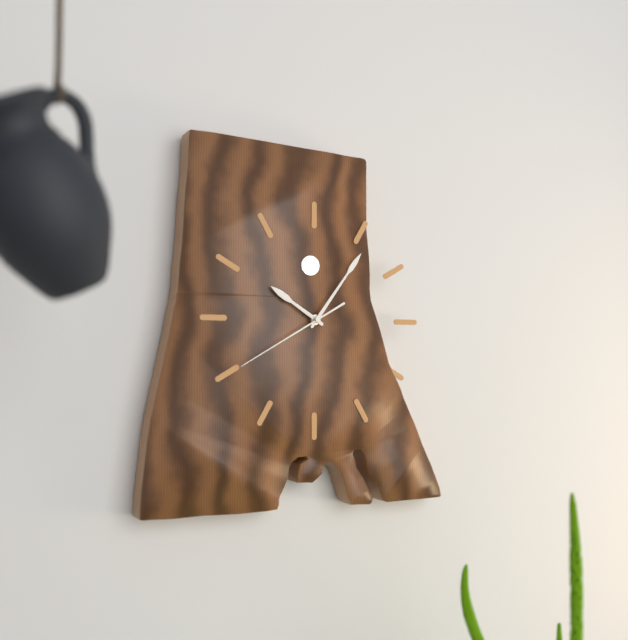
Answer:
10,06,40
